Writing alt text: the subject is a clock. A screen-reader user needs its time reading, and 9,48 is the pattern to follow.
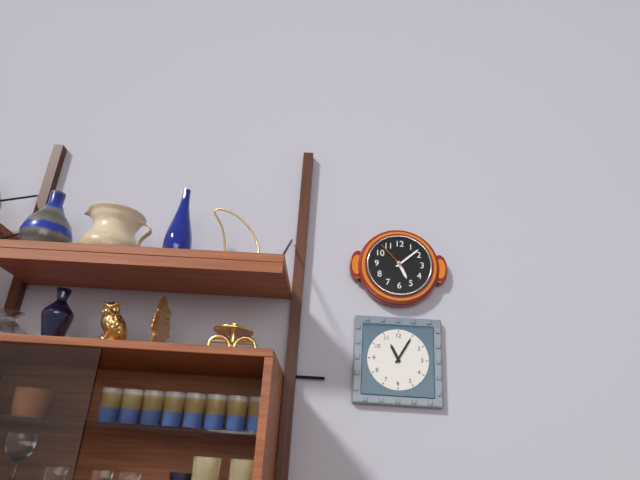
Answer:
5,08
